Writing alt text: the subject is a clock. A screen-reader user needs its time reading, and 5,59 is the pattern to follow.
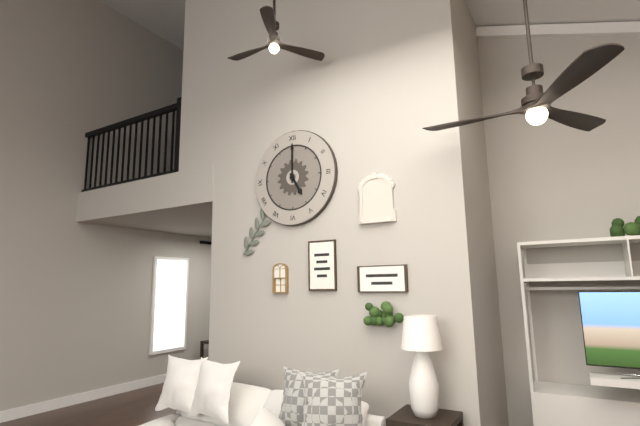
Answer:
5,00
